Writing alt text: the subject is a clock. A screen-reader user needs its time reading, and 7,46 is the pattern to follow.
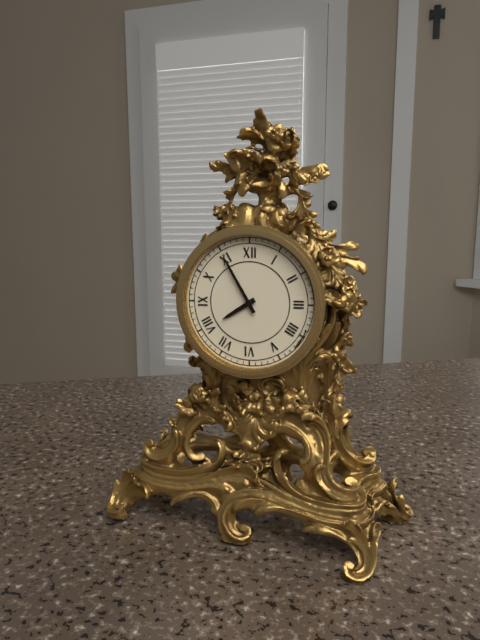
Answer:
7,55
